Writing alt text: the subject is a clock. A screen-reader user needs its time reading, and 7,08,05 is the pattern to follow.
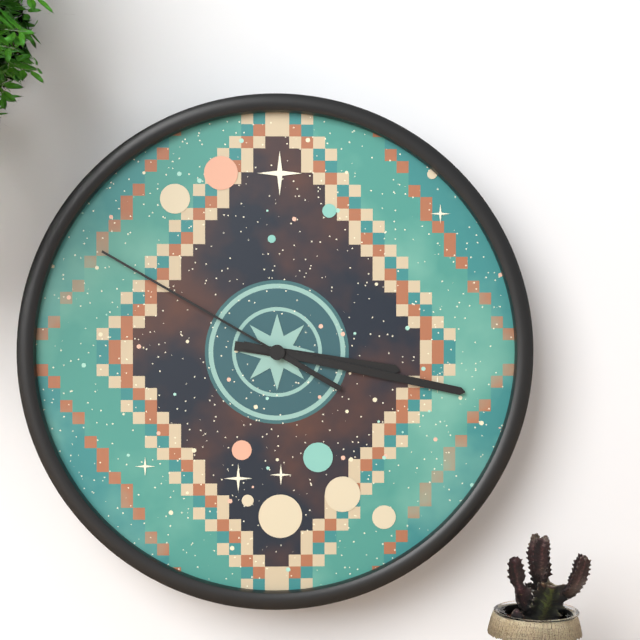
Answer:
3,17,50
